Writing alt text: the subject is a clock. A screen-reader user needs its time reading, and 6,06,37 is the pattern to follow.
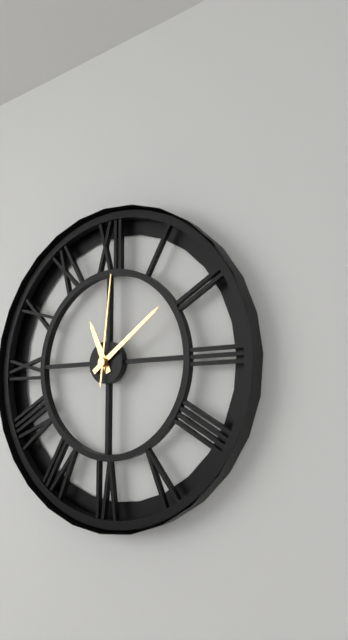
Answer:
11,09,01
